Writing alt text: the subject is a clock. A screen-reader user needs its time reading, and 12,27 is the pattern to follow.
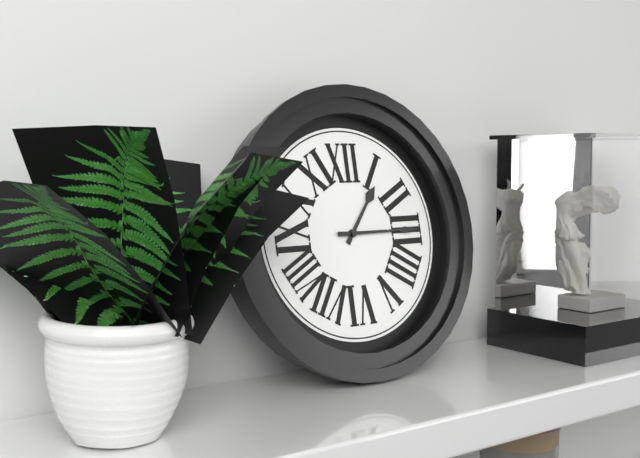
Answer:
1,15
